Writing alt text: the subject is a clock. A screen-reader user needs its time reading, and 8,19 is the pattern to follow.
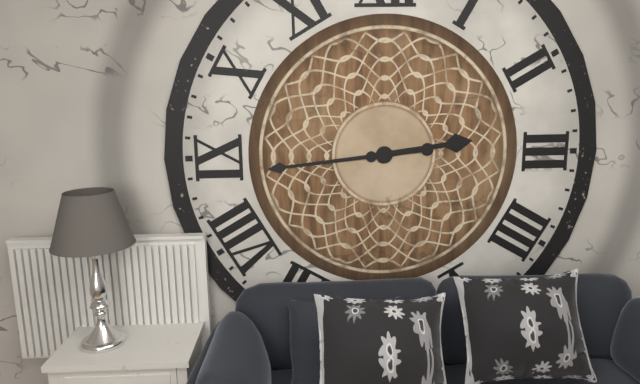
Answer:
2,44
